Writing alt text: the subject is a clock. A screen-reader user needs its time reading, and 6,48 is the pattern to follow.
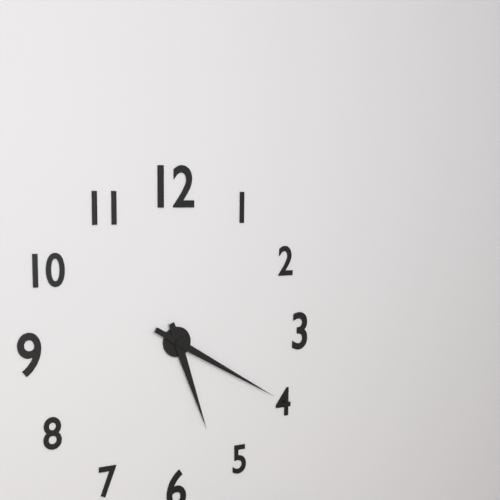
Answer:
5,20
